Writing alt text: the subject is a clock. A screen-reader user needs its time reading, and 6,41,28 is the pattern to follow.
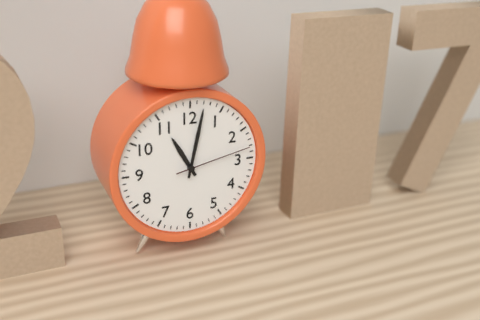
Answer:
11,02,13
